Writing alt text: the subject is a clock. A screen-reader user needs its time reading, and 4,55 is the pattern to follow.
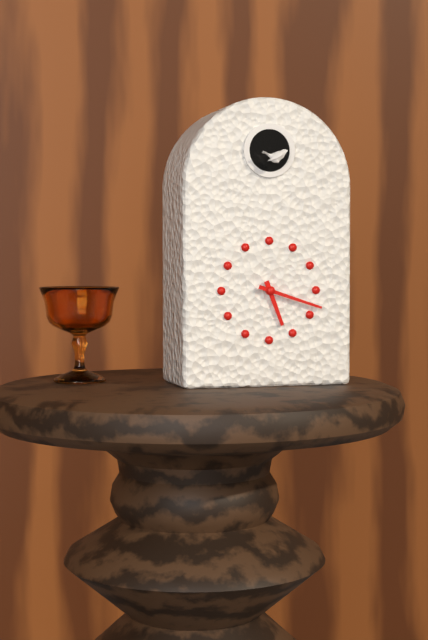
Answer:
5,18
